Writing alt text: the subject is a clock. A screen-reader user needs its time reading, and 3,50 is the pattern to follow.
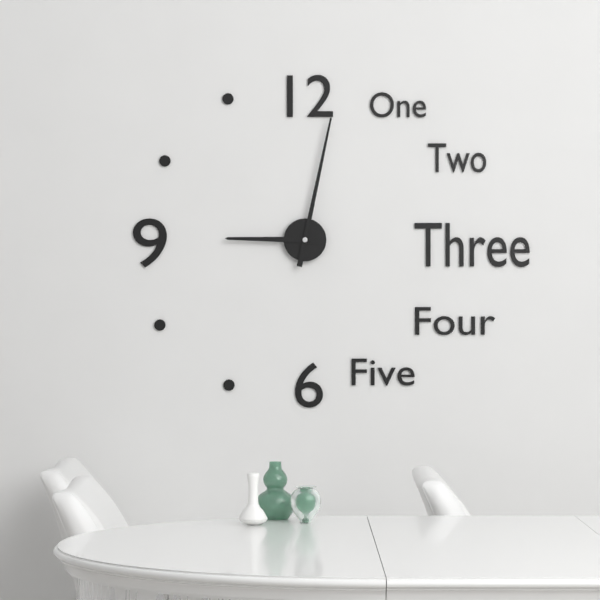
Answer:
9,02
